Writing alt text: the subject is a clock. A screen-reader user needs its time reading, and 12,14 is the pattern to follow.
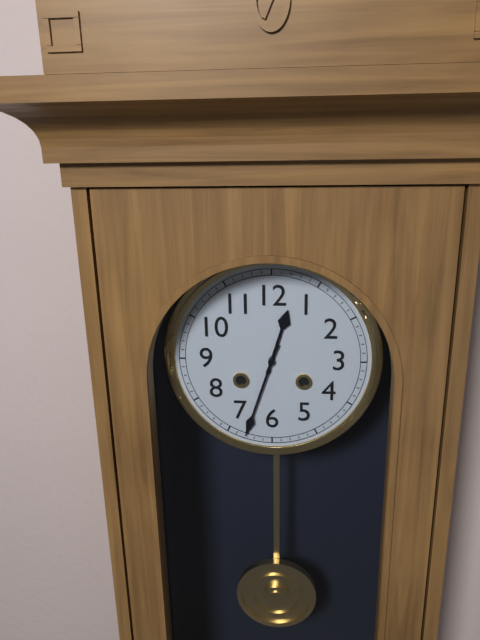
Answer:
12,33
